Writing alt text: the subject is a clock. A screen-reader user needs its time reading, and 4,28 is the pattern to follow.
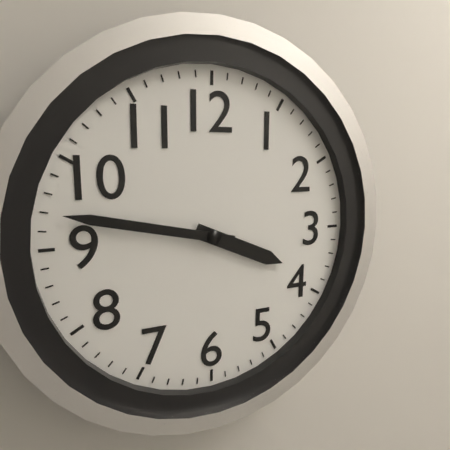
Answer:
3,47
